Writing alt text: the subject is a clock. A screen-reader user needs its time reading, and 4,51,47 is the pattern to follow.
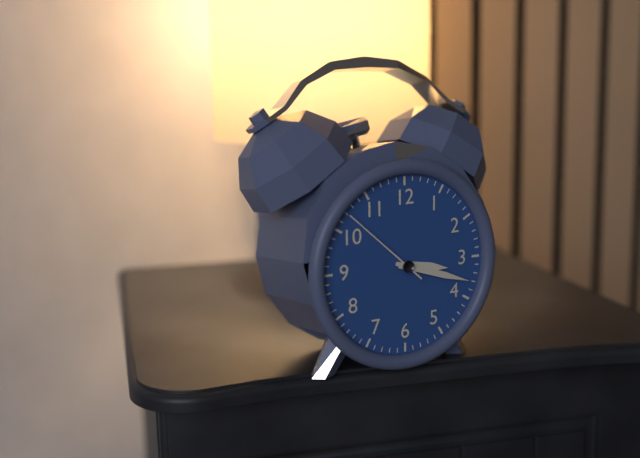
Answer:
3,18,52
